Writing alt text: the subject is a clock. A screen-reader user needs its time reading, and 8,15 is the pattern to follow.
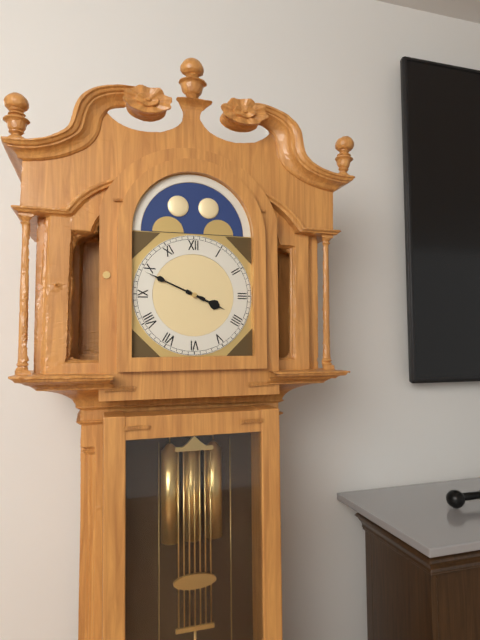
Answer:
3,49
